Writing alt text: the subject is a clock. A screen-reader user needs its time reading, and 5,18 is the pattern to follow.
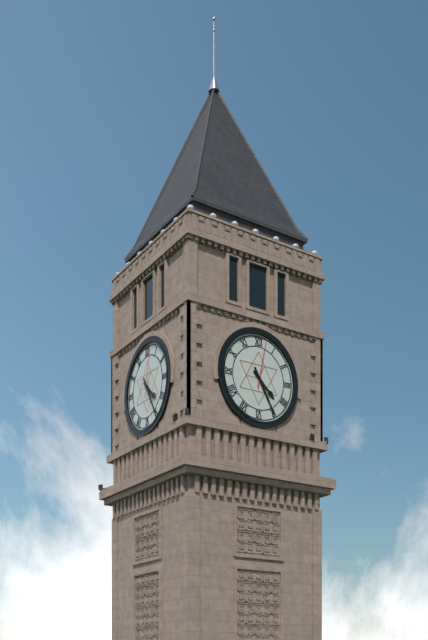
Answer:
4,25
